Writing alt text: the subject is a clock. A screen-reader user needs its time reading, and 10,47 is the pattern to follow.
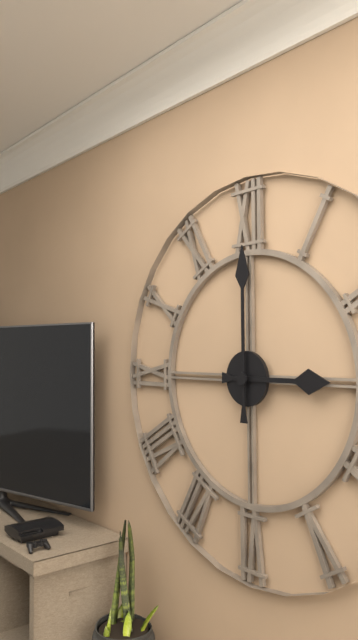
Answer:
3,00
